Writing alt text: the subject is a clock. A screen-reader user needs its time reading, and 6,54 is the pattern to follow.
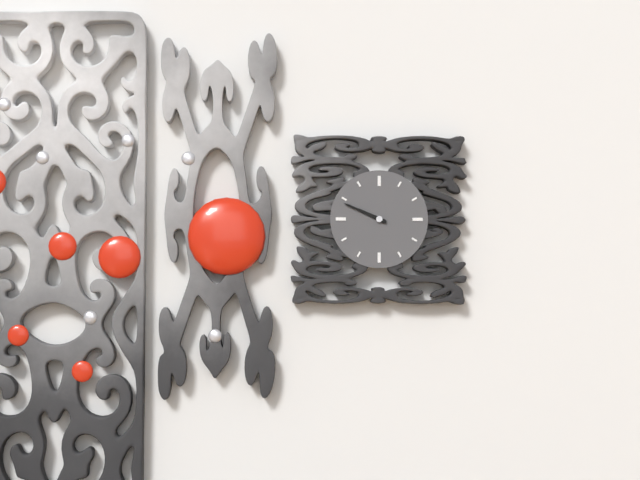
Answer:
9,49
